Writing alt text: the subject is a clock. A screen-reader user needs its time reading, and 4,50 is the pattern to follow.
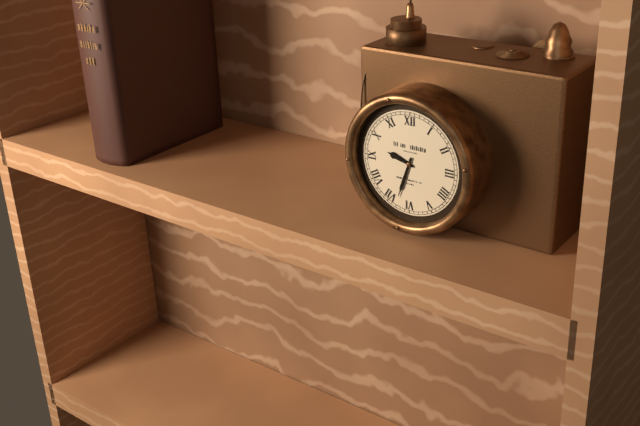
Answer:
9,33
